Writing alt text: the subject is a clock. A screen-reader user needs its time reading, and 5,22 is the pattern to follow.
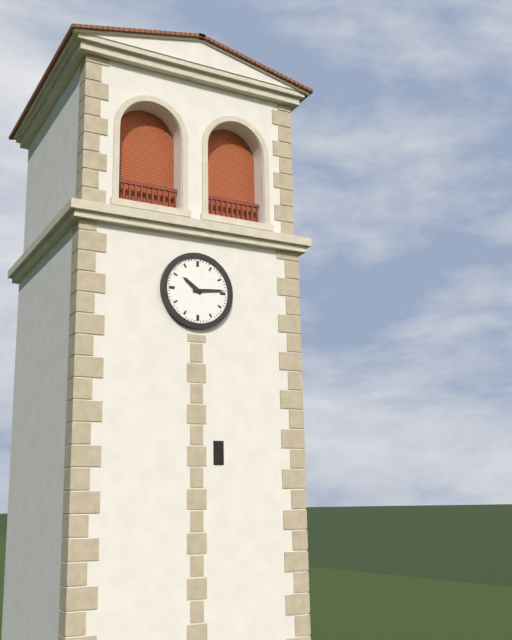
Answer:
10,14
